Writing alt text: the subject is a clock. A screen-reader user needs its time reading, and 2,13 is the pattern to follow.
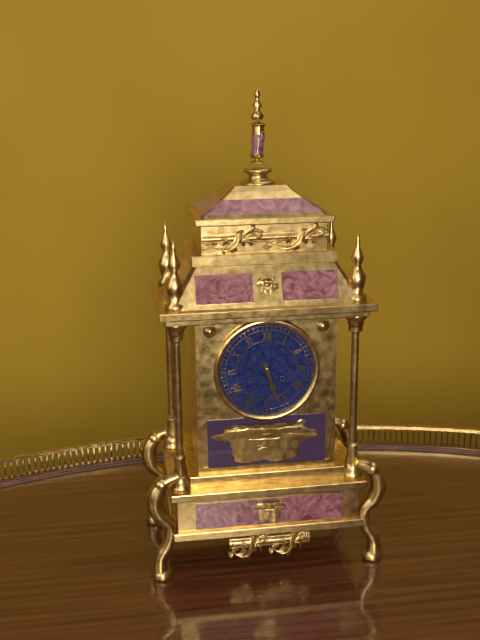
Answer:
5,27
